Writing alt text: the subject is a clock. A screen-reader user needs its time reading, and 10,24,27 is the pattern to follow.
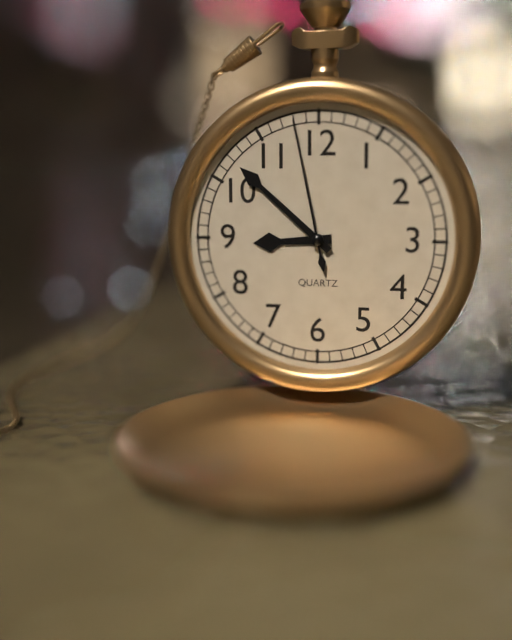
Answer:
8,52,58
